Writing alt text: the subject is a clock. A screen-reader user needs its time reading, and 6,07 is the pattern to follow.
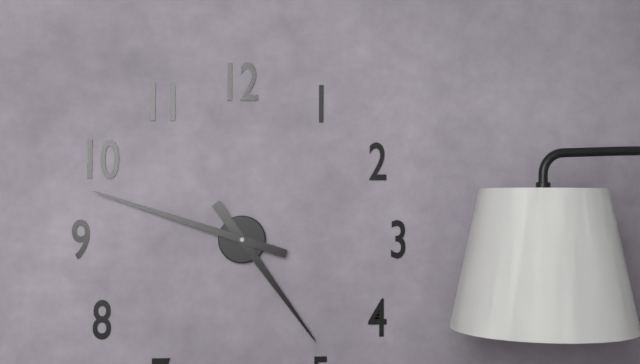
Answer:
4,48
